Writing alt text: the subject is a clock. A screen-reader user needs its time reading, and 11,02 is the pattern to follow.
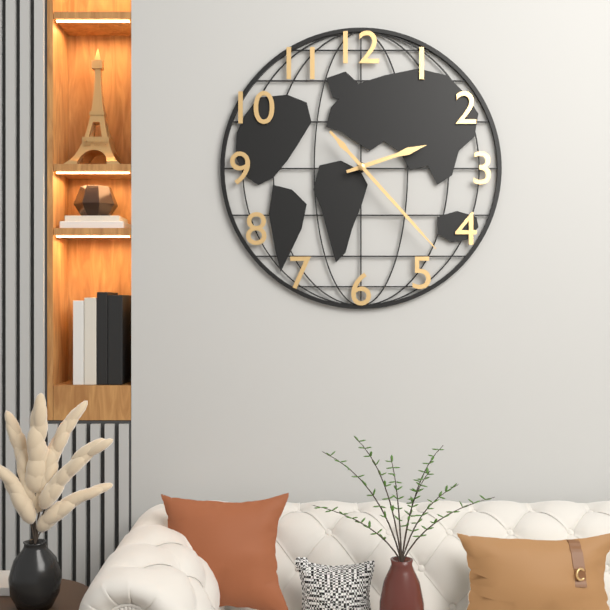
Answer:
2,23
